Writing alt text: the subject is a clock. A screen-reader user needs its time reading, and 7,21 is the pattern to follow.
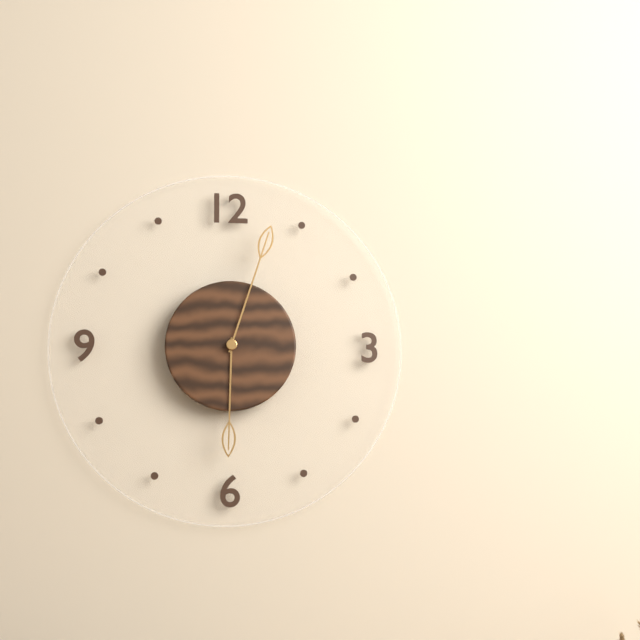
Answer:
6,03
